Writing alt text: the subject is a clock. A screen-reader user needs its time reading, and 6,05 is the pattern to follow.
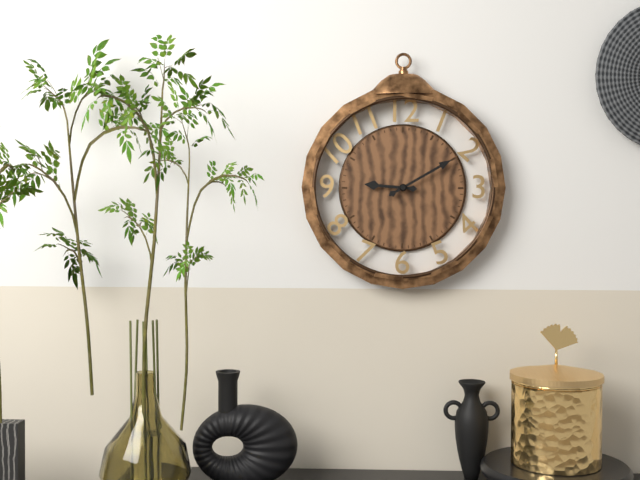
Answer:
9,10
